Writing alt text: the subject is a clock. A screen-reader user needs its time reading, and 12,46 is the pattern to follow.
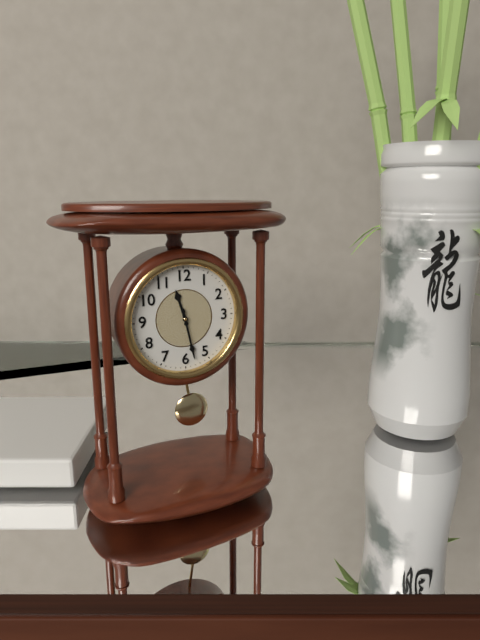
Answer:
11,28
